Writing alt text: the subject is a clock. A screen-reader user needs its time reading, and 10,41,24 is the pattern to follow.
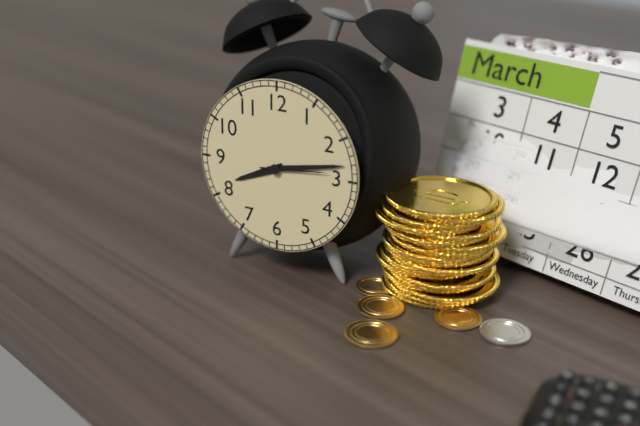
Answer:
8,13,14
